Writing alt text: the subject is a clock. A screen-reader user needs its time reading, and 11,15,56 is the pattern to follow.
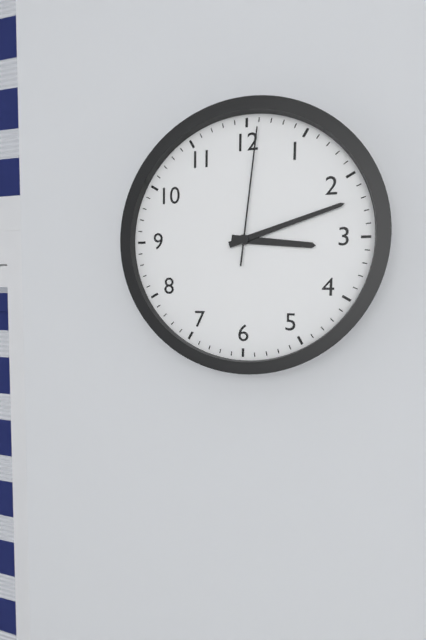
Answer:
3,12,01
